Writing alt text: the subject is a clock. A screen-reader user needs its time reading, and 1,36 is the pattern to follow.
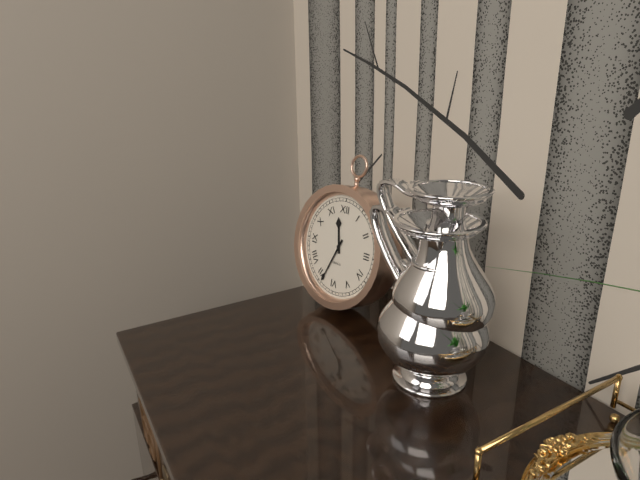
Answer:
11,34
